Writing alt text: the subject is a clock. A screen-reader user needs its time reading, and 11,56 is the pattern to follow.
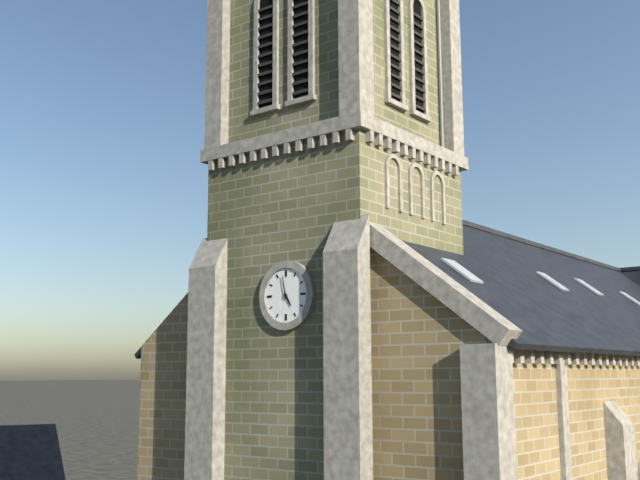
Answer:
4,58
